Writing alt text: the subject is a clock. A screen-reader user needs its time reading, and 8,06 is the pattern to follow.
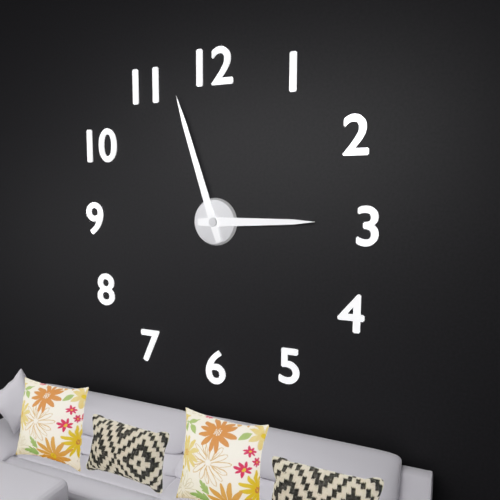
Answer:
2,57
